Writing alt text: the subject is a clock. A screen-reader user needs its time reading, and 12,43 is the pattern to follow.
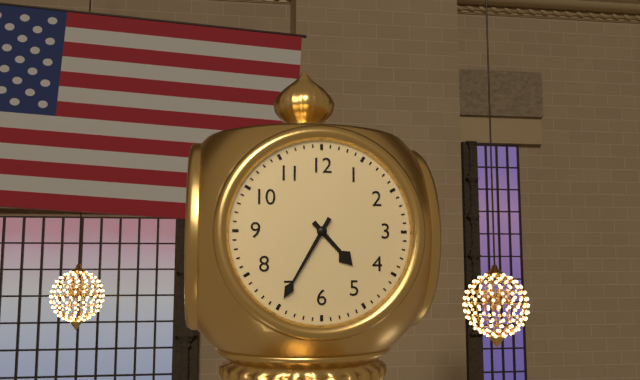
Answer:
4,35
